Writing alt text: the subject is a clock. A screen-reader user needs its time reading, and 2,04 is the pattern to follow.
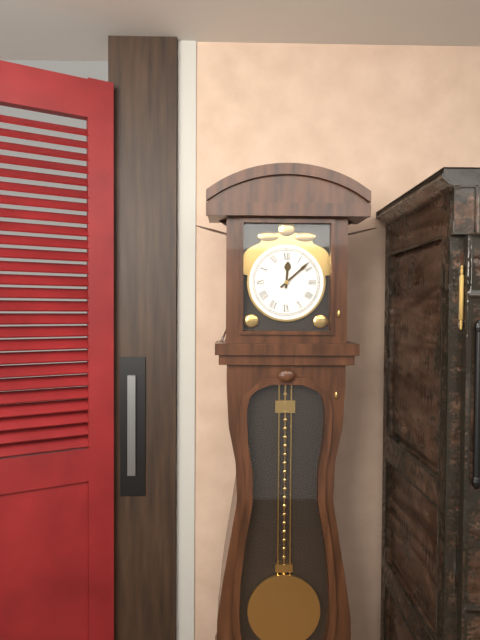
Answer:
12,08
